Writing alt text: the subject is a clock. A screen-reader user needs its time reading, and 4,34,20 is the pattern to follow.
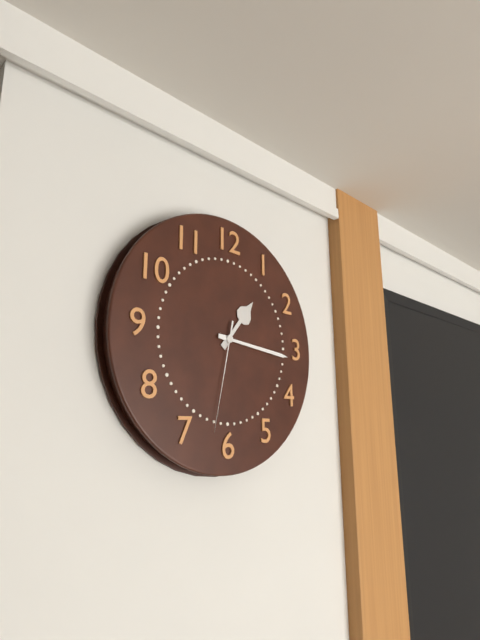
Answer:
1,16,32
